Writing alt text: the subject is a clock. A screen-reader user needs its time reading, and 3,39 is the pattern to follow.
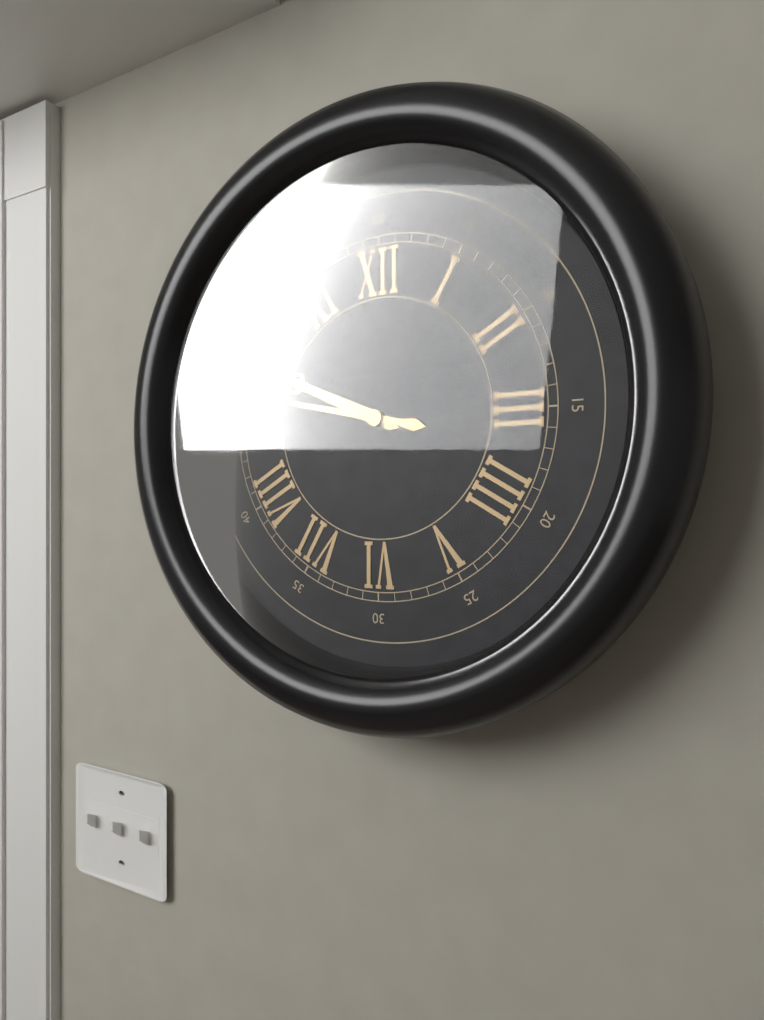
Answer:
9,47
